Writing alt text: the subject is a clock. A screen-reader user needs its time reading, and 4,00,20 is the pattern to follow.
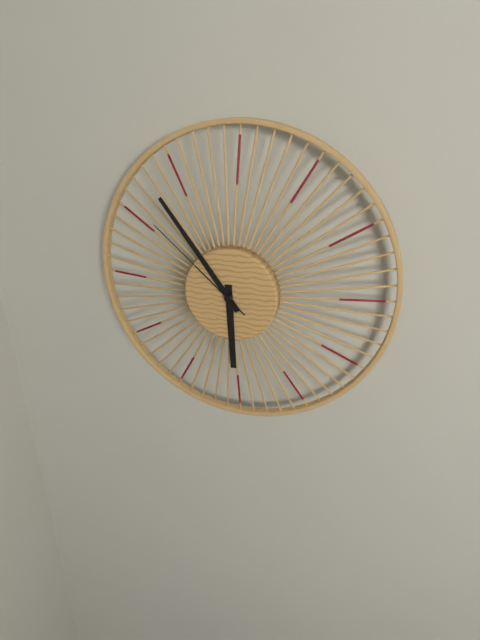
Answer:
5,54,52
